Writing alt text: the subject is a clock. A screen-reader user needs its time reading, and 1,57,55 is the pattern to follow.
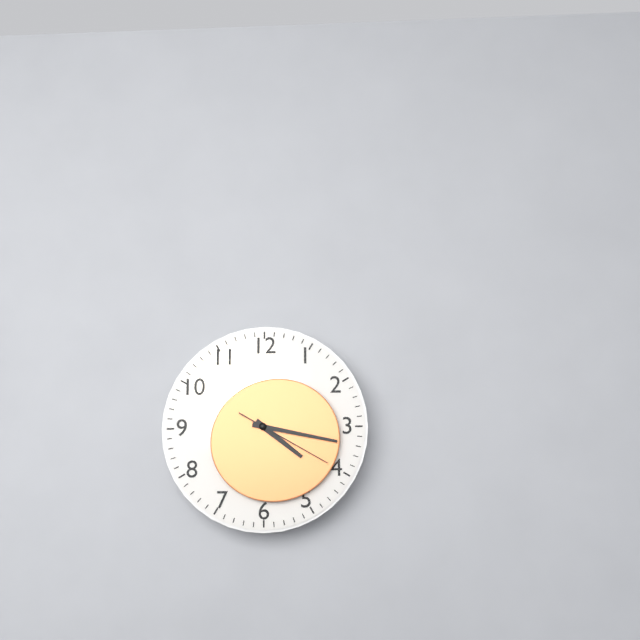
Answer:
4,17,20
